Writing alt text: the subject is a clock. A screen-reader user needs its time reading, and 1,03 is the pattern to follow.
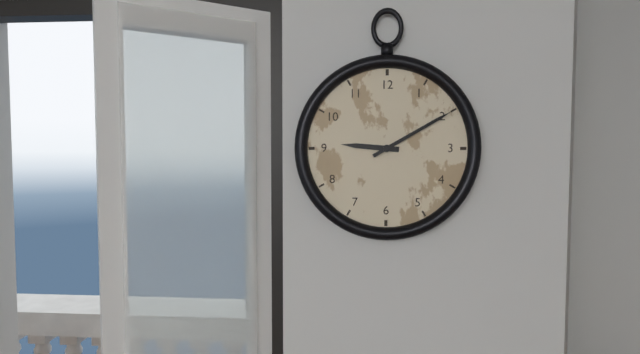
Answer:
9,10
